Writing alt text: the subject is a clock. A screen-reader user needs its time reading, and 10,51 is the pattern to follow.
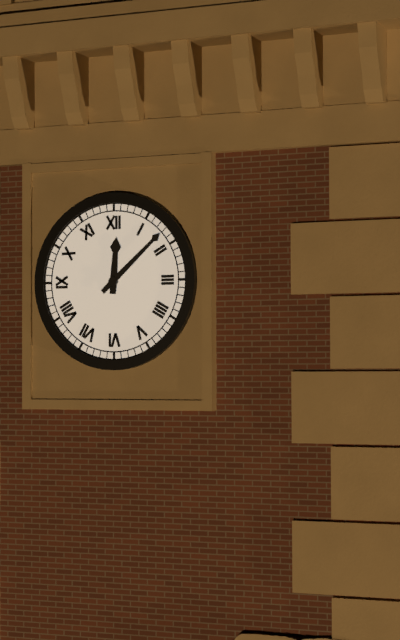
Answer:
12,08
